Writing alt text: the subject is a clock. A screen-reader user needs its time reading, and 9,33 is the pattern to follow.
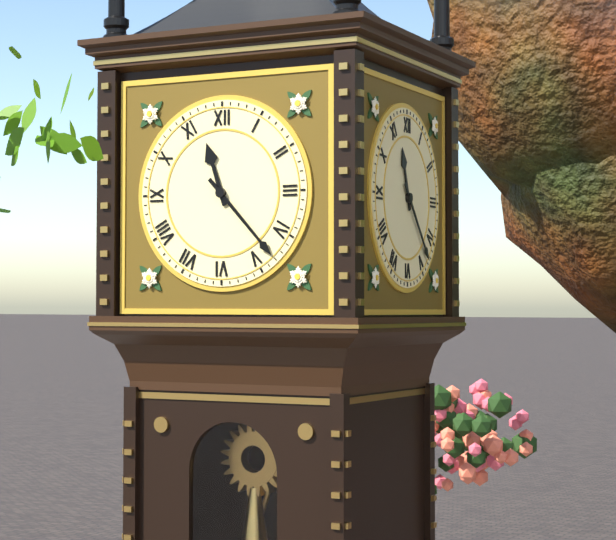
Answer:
11,23
